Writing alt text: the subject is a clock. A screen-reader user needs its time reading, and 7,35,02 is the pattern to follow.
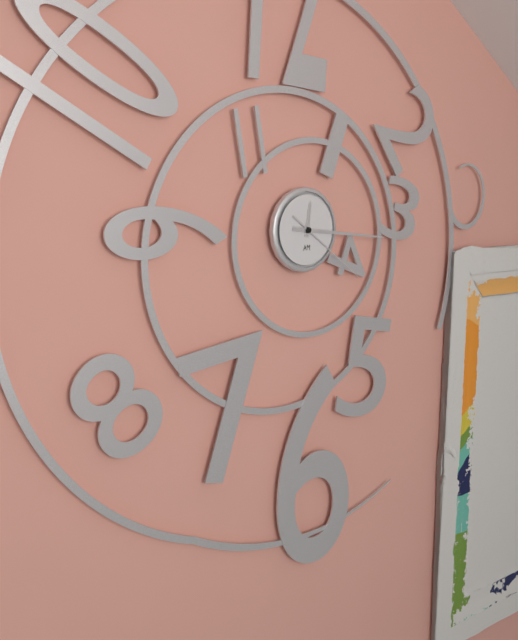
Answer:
12,16,21
